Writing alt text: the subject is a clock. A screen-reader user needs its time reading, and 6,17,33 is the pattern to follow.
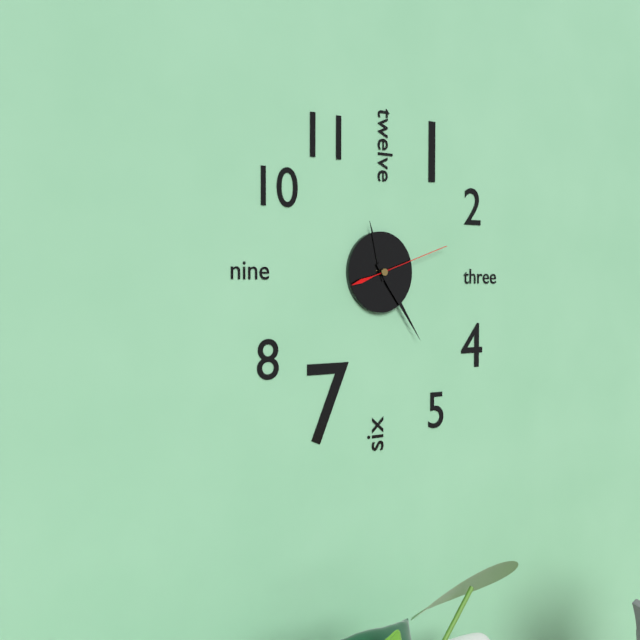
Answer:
11,24,12
